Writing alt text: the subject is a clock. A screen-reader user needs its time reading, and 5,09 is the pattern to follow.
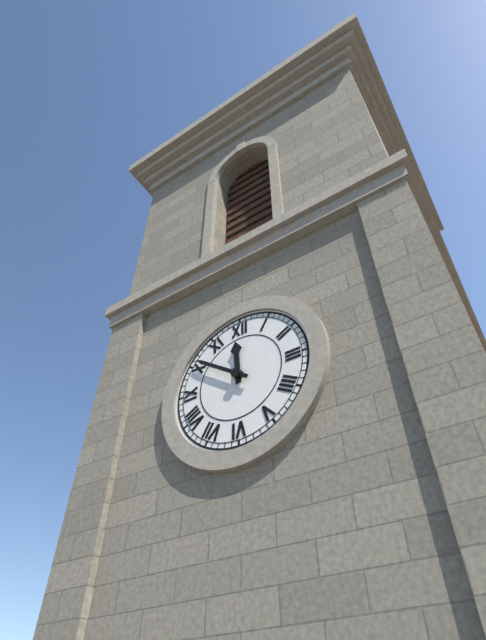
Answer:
11,51
